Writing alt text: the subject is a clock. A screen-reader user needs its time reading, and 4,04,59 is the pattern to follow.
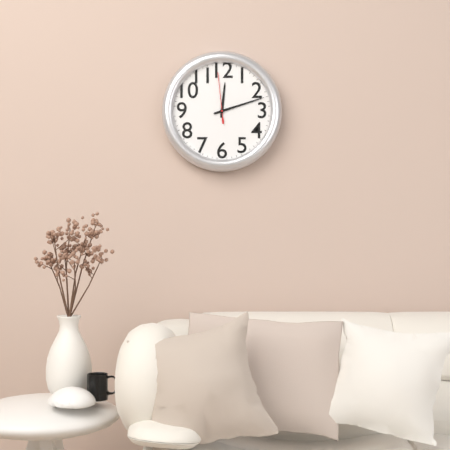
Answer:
12,12,59
